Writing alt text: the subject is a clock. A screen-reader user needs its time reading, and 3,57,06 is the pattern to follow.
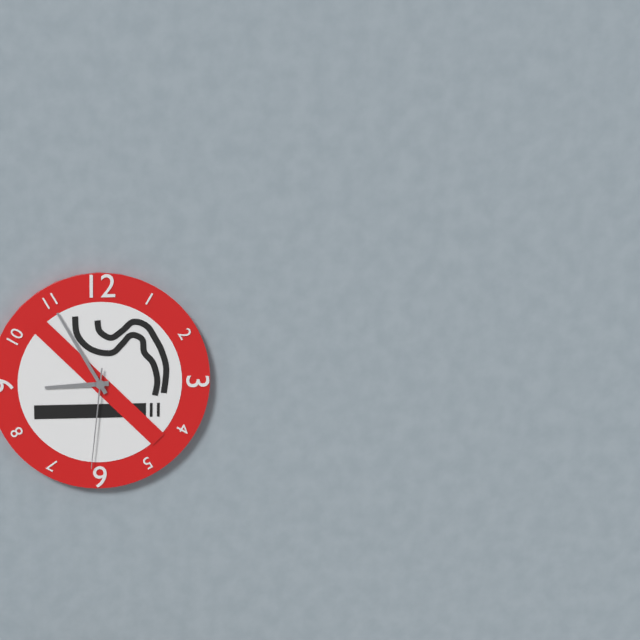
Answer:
8,55,31
